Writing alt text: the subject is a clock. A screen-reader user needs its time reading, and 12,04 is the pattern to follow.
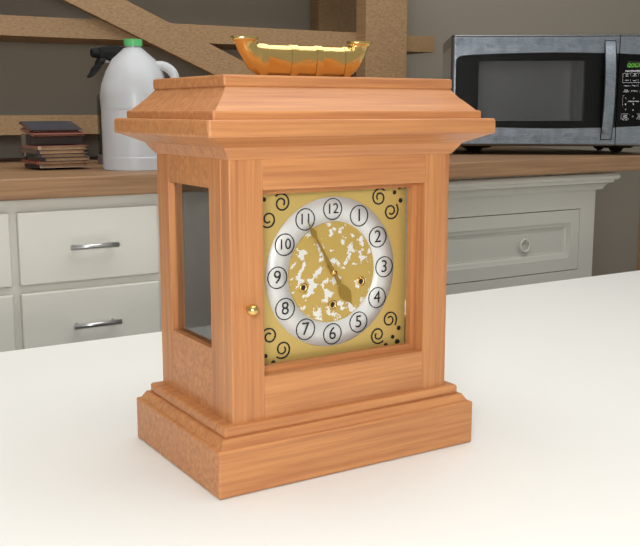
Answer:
4,55
